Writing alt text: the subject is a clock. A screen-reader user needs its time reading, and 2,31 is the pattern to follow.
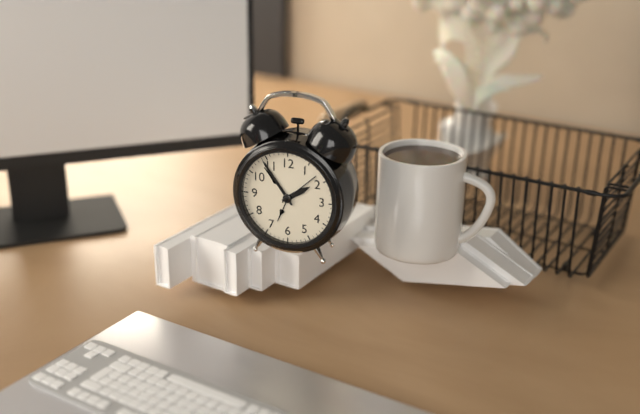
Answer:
1,54
